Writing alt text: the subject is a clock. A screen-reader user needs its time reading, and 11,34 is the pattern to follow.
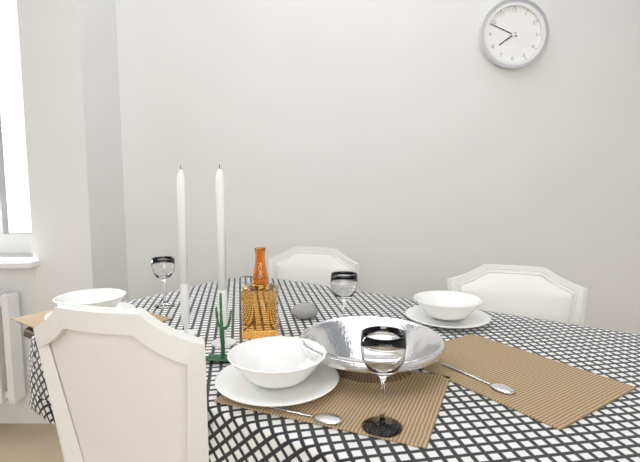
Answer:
7,49
